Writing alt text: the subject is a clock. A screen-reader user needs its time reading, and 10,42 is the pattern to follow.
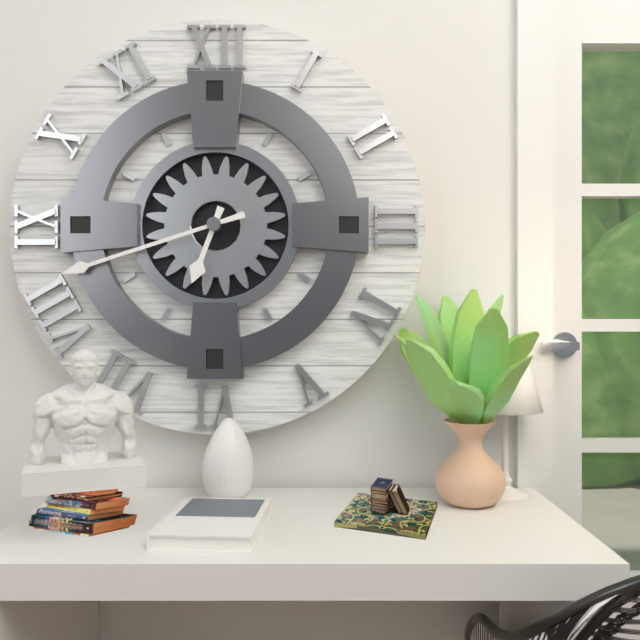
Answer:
6,42
